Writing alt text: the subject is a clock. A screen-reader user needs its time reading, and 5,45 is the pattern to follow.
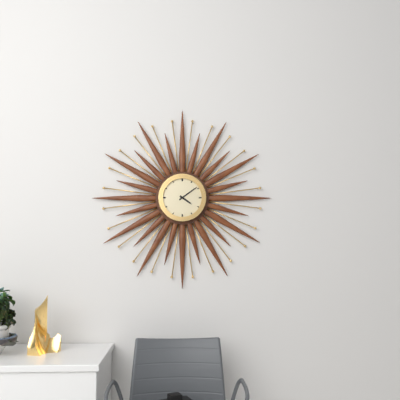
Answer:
4,09
